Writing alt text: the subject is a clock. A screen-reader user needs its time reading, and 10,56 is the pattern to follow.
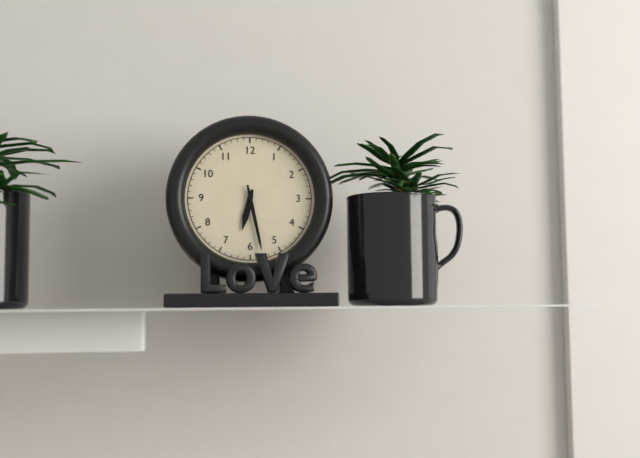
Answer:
6,28
